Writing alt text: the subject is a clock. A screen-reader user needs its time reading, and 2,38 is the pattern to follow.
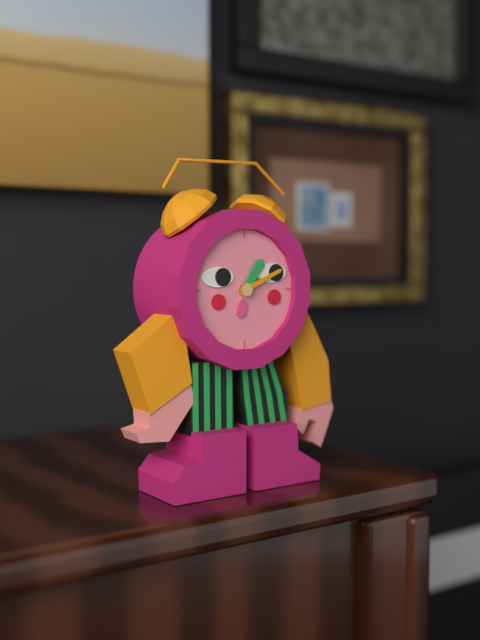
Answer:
1,11
